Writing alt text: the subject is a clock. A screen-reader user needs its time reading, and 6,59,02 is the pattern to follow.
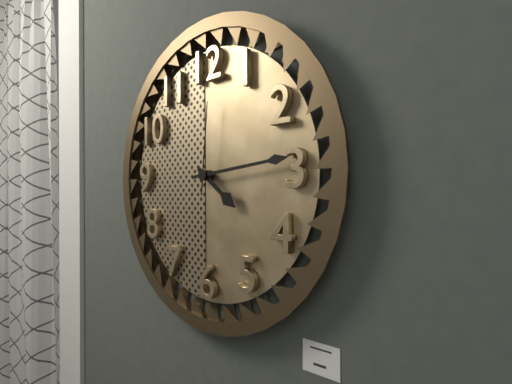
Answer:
4,14,01
